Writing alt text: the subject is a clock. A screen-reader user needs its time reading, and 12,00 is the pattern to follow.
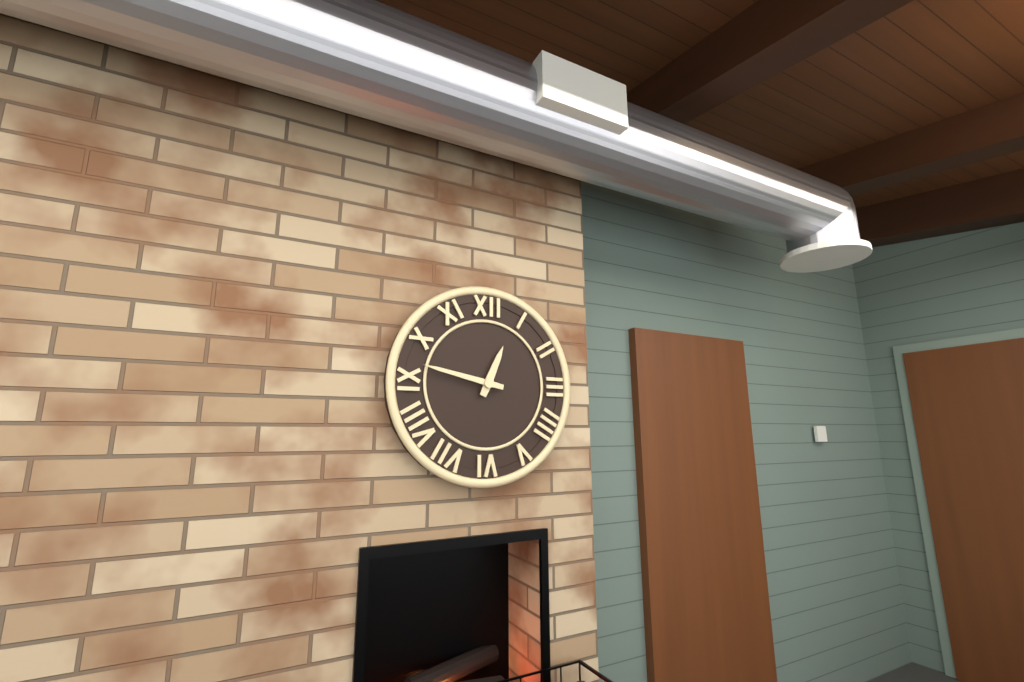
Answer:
12,47
